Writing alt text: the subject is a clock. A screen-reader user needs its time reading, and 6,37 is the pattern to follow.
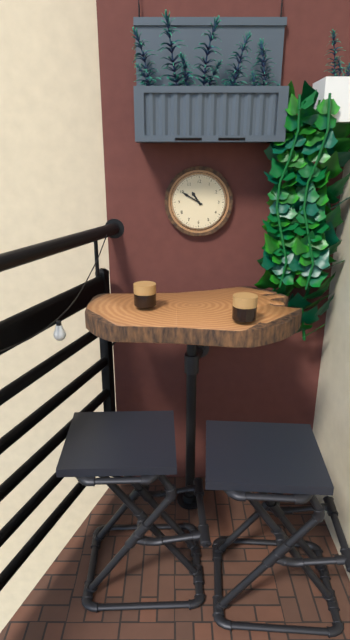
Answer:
10,50
